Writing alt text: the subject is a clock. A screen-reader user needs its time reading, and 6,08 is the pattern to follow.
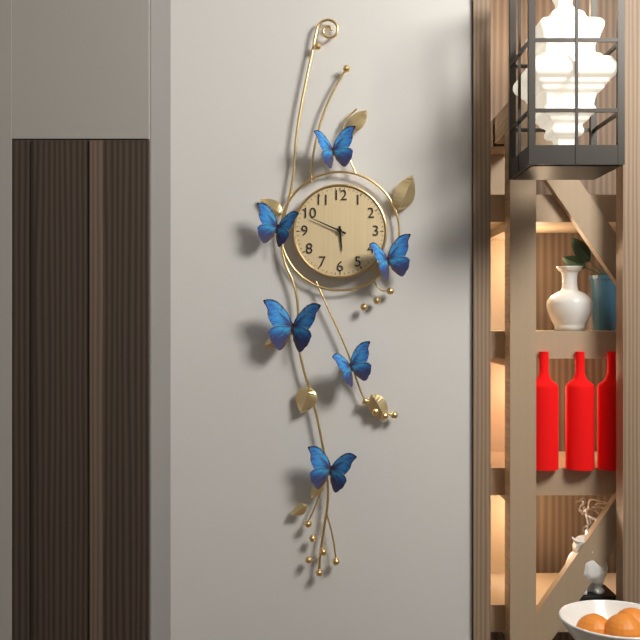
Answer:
5,49
